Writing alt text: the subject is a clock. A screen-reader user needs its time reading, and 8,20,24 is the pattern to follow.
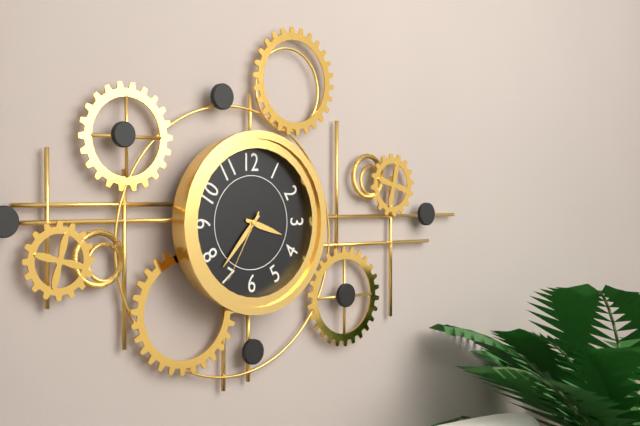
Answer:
3,37,35
